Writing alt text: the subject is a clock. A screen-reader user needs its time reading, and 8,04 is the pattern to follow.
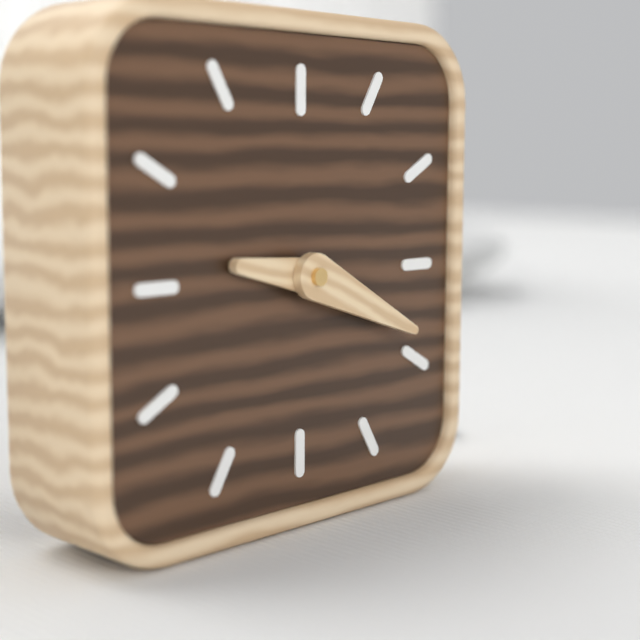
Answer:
9,19
